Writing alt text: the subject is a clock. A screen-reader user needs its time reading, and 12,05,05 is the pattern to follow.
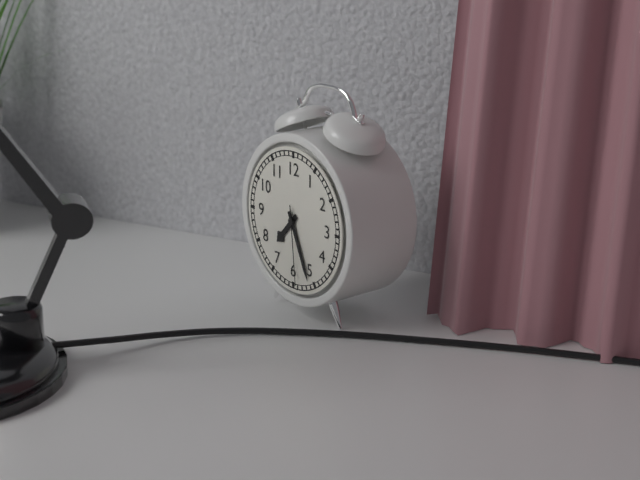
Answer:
7,26,29
